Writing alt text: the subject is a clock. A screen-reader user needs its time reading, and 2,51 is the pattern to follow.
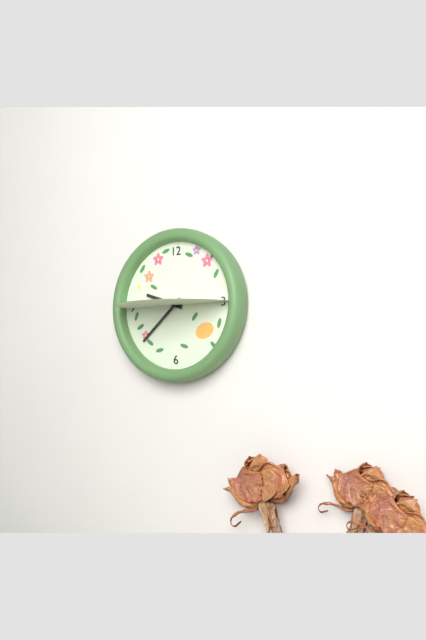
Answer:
9,38
